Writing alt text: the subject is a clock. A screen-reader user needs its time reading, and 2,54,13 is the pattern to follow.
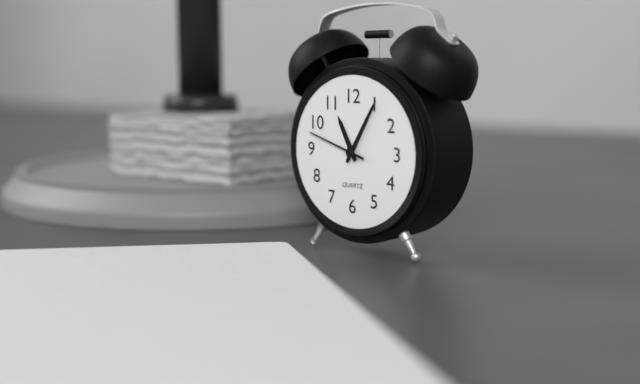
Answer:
11,05,48
